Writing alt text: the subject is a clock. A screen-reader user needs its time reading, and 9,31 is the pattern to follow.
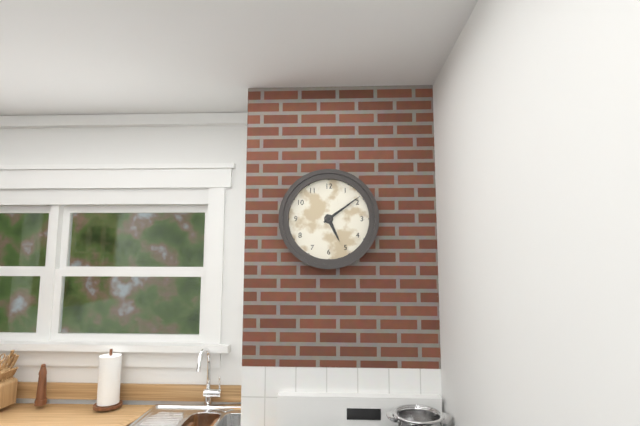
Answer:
5,09
